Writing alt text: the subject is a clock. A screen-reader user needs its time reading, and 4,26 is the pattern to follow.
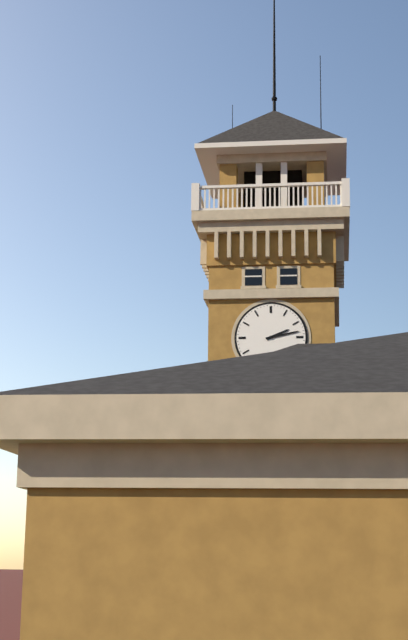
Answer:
2,13
